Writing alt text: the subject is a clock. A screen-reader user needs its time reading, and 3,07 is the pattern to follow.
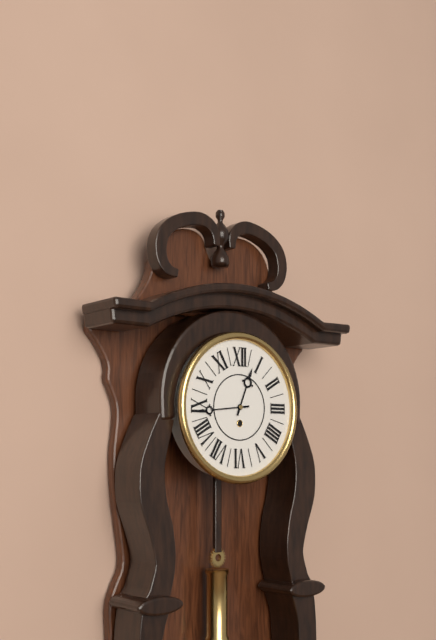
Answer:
12,44
